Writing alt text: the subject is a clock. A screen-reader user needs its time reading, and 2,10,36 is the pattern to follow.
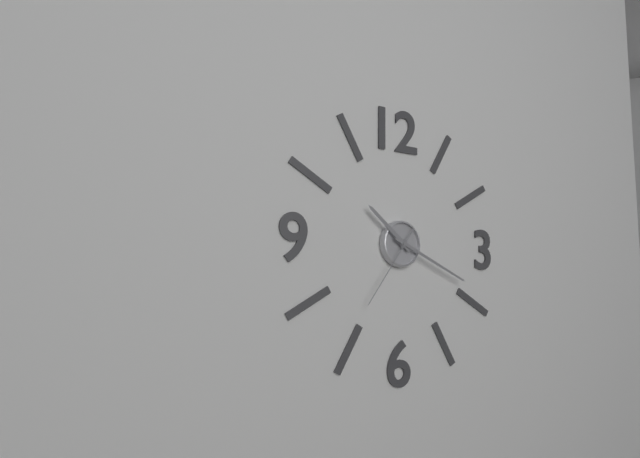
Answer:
10,19,36
